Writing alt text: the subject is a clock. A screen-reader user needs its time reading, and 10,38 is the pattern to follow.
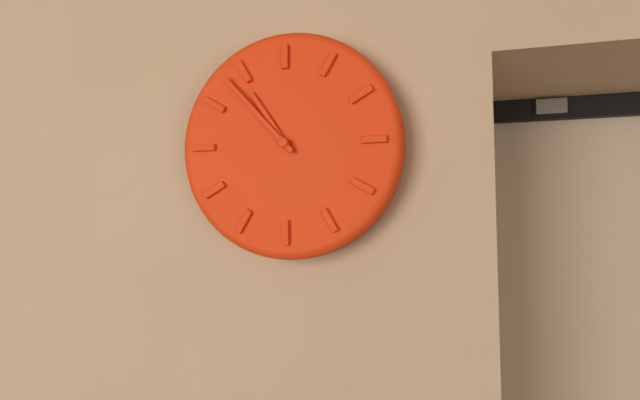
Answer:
10,53
